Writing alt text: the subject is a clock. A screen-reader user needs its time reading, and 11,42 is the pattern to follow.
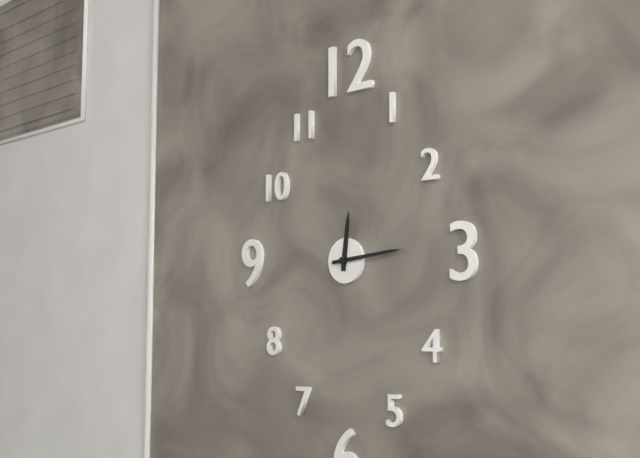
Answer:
12,14
